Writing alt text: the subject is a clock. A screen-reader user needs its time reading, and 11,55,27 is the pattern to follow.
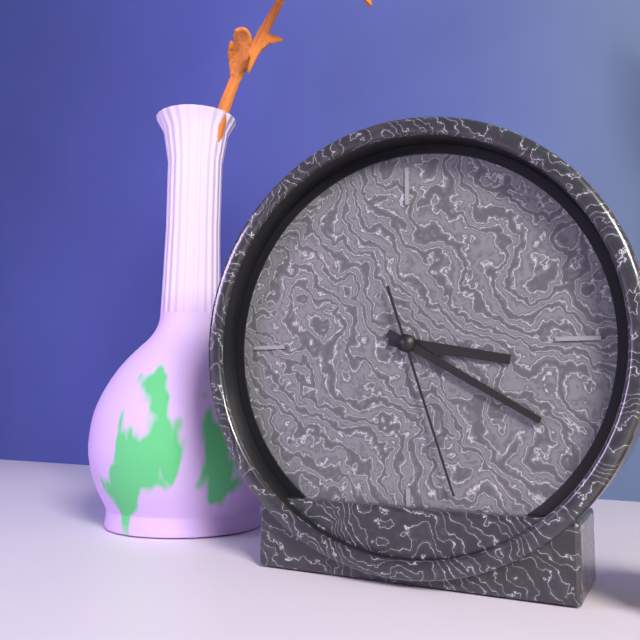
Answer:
3,20,27
